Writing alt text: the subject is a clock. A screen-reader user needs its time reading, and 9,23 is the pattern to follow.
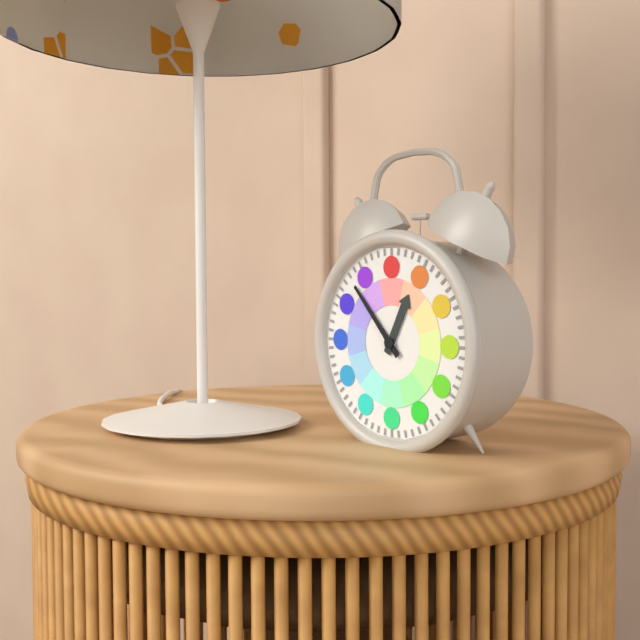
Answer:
12,53
